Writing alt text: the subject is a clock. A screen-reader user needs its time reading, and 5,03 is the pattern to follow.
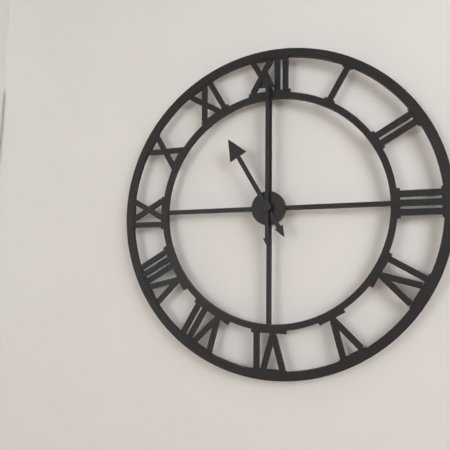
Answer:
11,00
